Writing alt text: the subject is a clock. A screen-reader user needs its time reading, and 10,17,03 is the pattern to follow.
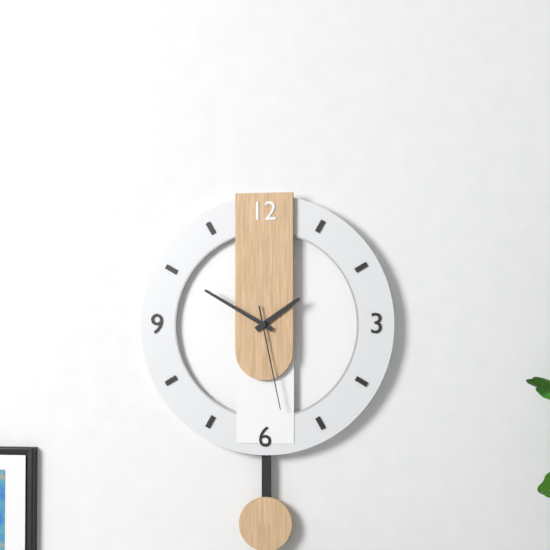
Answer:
1,50,28
